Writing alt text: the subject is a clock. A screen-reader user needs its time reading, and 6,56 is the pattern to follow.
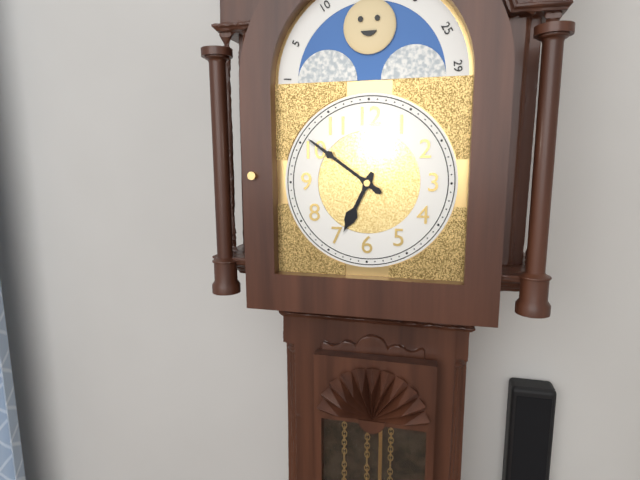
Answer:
6,51
